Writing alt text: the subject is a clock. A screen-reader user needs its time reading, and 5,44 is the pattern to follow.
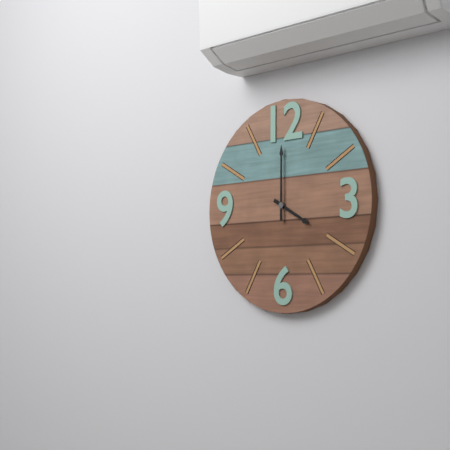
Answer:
4,00
